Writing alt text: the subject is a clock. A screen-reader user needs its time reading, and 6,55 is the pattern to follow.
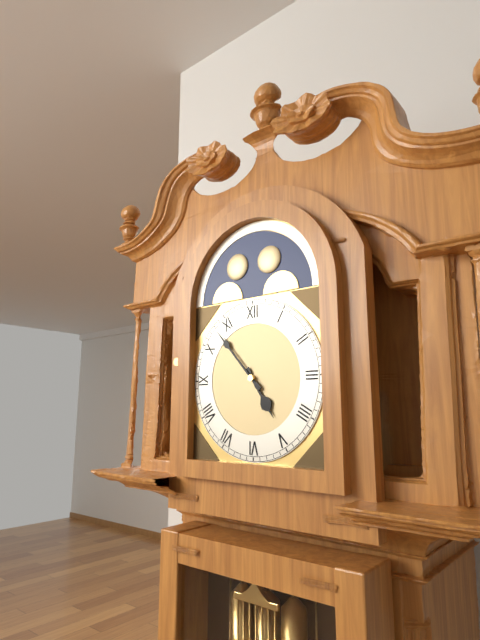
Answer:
4,53
